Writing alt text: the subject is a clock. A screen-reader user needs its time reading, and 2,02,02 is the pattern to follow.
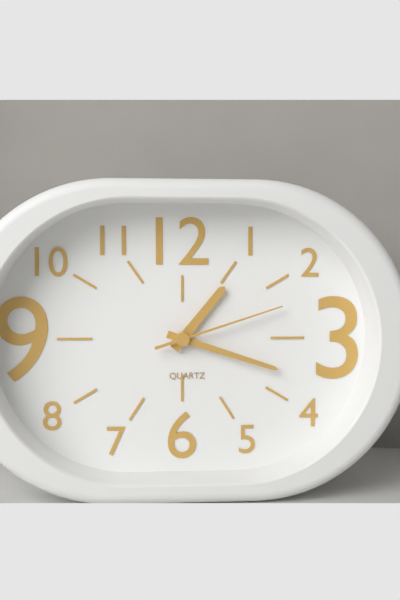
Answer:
1,18,12
